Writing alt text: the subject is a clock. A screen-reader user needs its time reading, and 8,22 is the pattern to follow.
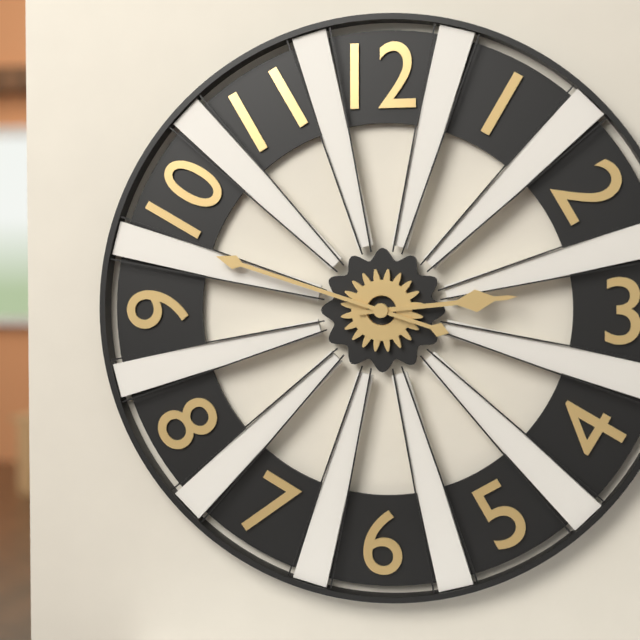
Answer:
2,48
